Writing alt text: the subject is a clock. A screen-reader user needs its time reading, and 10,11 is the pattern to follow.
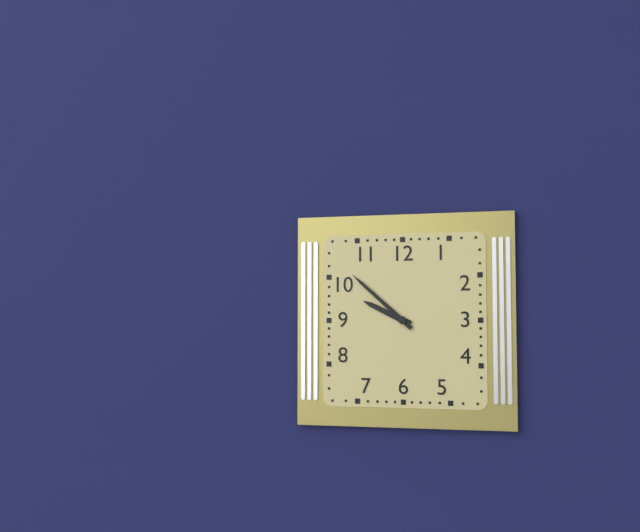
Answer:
9,52
